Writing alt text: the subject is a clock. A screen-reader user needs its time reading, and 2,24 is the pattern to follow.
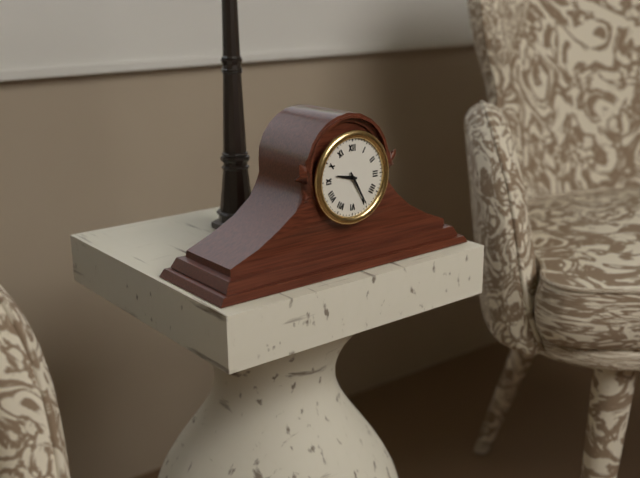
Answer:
9,25
